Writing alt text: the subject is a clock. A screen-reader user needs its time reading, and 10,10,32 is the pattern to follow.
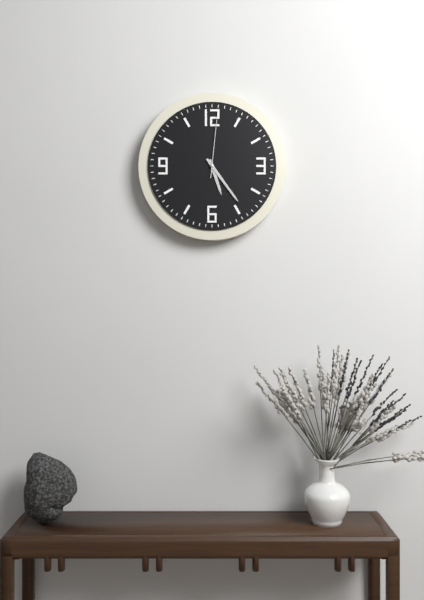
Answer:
5,24,01
